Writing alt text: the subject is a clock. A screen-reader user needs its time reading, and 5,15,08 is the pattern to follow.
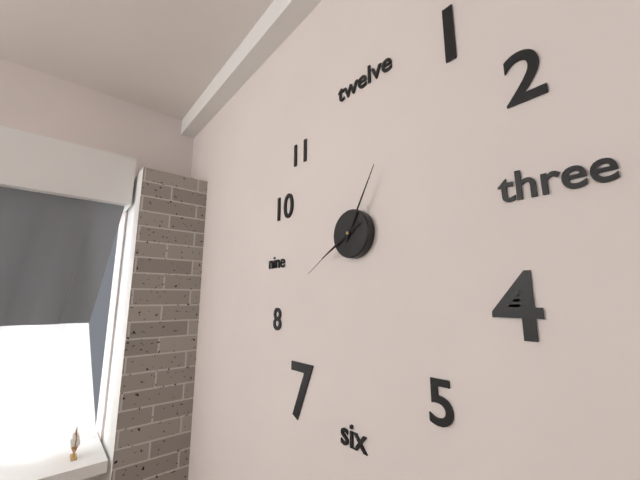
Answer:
8,05,40
